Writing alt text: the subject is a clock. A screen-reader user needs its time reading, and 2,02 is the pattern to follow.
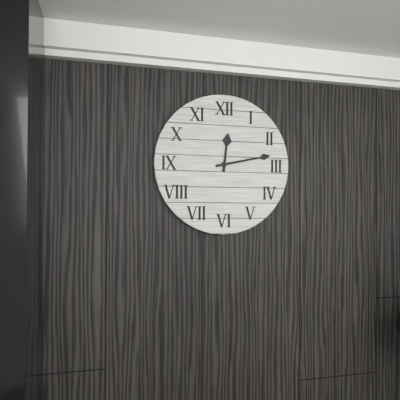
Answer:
12,13
